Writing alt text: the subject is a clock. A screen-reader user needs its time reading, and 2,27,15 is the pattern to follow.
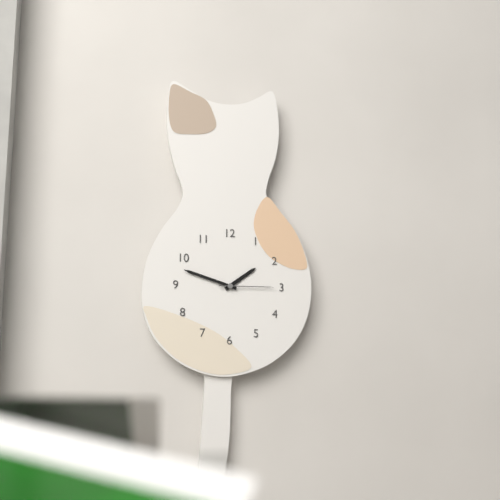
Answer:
1,48,15
